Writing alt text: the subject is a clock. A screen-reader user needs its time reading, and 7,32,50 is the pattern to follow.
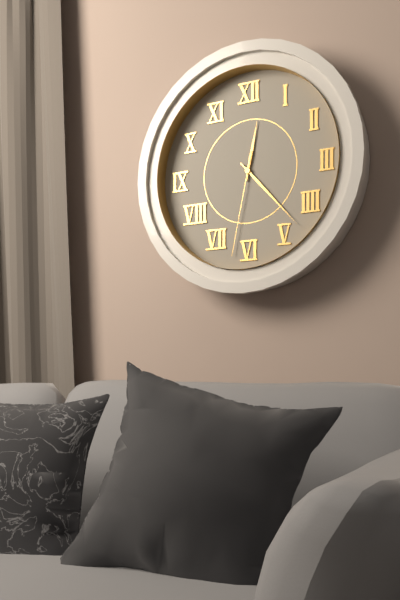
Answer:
12,23,32
